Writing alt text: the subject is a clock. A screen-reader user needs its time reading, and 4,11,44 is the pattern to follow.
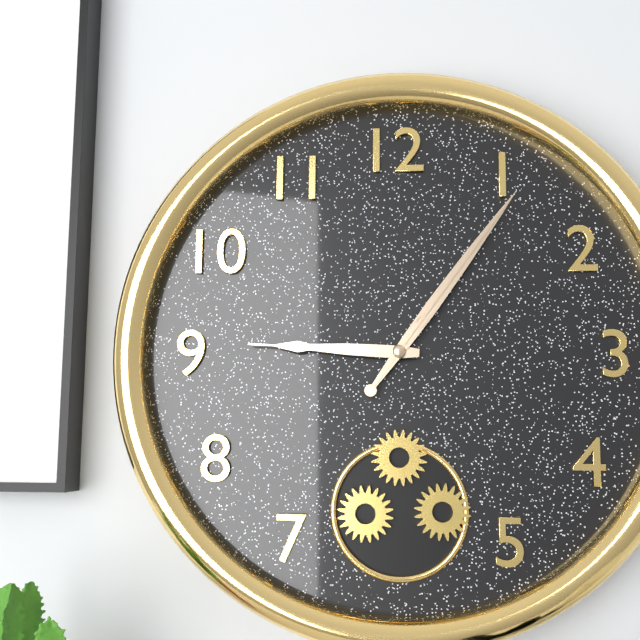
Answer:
9,06,06
